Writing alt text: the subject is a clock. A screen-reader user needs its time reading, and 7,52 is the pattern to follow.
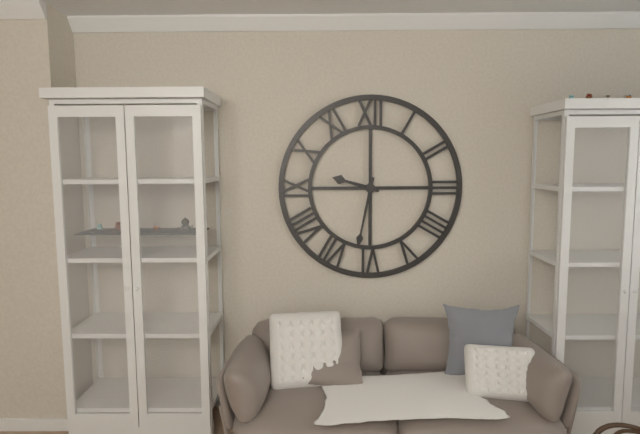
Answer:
9,32
